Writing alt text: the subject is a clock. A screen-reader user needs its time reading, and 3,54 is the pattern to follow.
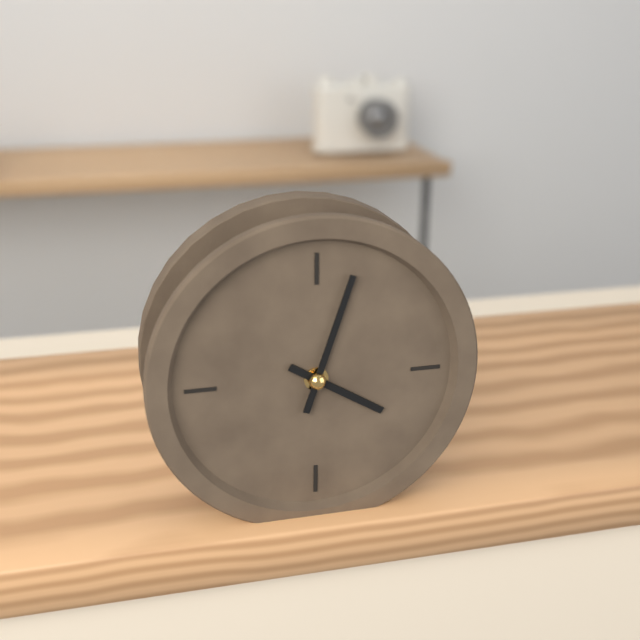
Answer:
4,03
